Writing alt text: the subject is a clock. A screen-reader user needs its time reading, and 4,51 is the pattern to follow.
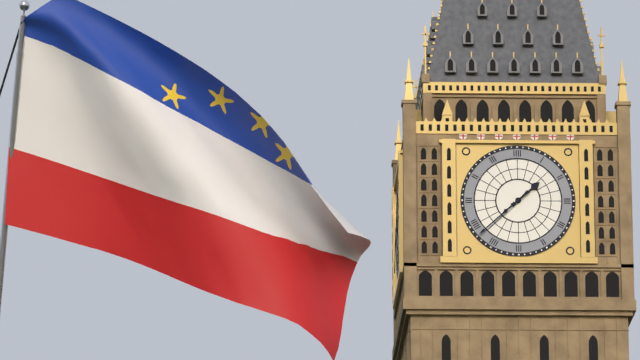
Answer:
1,38
